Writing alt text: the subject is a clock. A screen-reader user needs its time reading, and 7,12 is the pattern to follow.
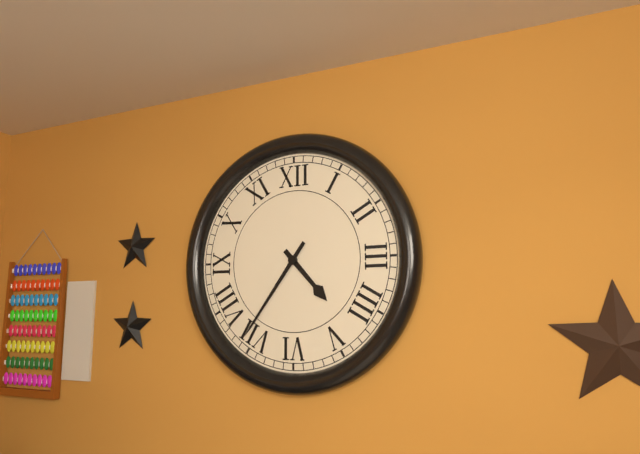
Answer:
4,36
